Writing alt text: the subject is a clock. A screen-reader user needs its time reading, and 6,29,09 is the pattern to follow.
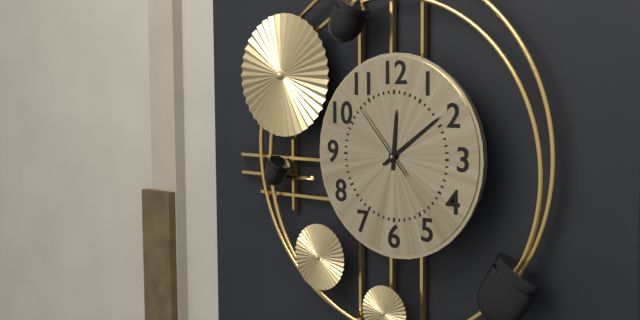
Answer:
12,09,53
